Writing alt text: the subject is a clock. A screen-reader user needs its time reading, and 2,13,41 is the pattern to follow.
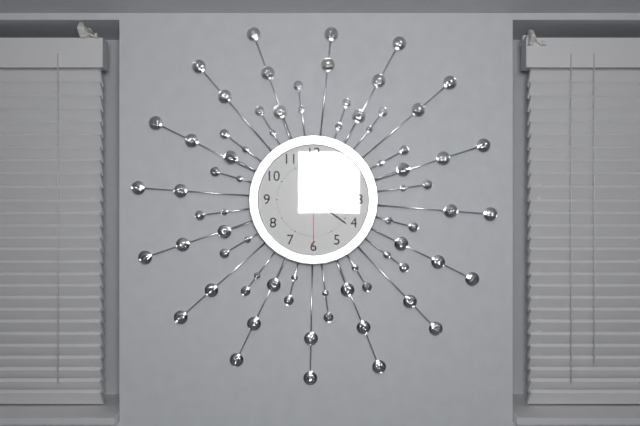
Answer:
1,21,30
